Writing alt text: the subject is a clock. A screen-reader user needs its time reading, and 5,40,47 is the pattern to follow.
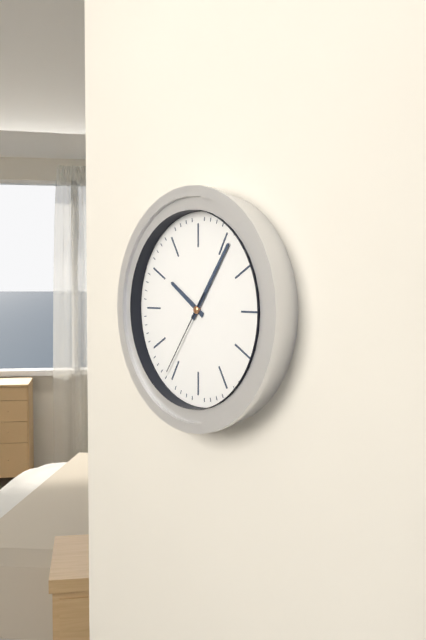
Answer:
10,06,36
